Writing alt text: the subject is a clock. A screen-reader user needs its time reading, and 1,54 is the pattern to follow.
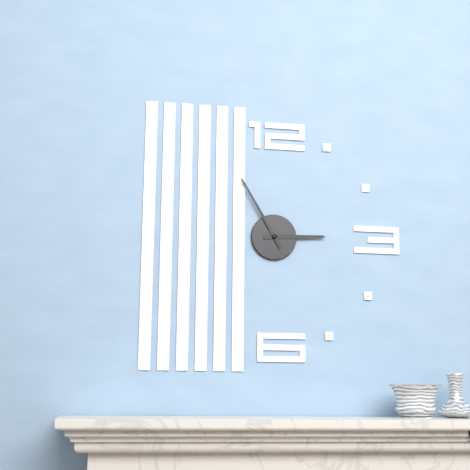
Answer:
2,55
